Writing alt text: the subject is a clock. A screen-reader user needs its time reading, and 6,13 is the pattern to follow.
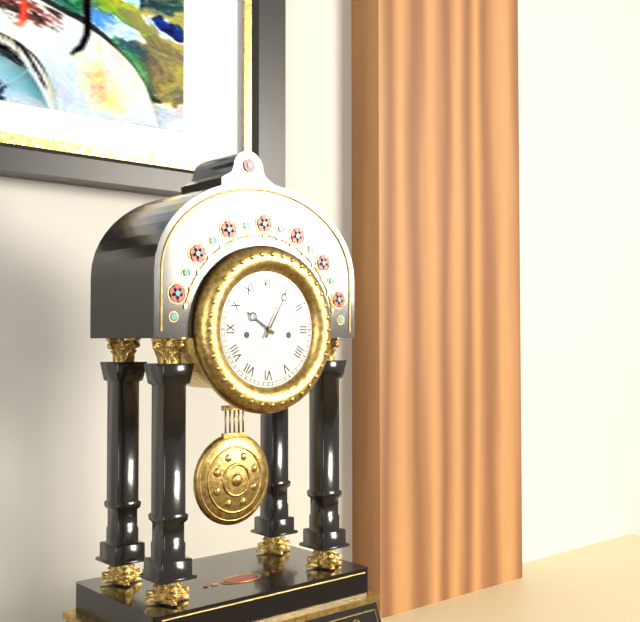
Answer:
10,05
